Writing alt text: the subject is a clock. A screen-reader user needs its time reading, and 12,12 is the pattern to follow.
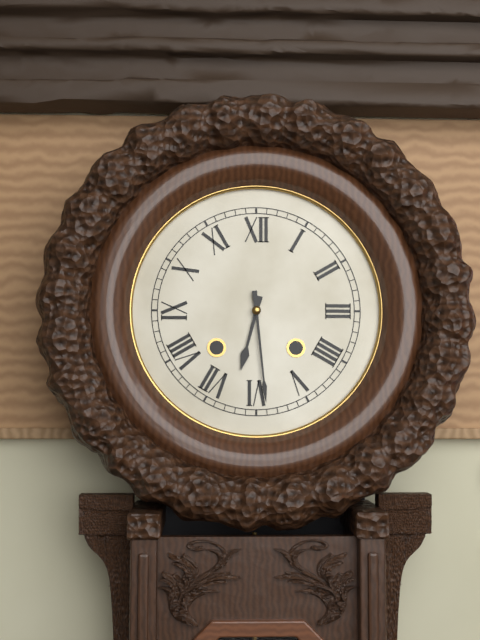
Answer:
6,29
